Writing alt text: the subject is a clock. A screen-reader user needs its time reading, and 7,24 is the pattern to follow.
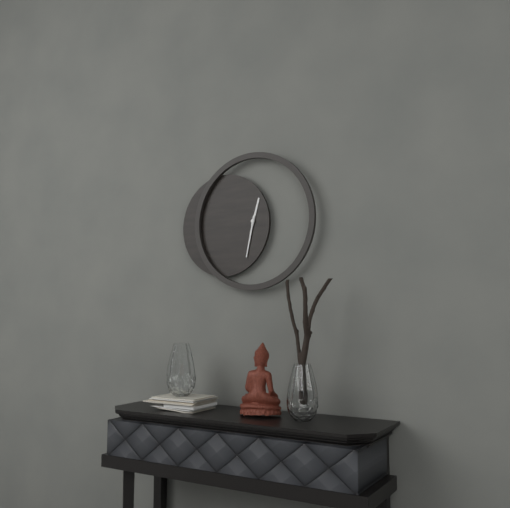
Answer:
12,32
